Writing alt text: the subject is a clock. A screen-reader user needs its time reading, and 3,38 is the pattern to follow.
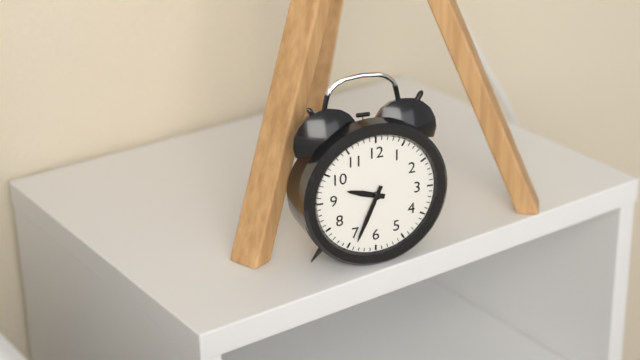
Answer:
9,34
